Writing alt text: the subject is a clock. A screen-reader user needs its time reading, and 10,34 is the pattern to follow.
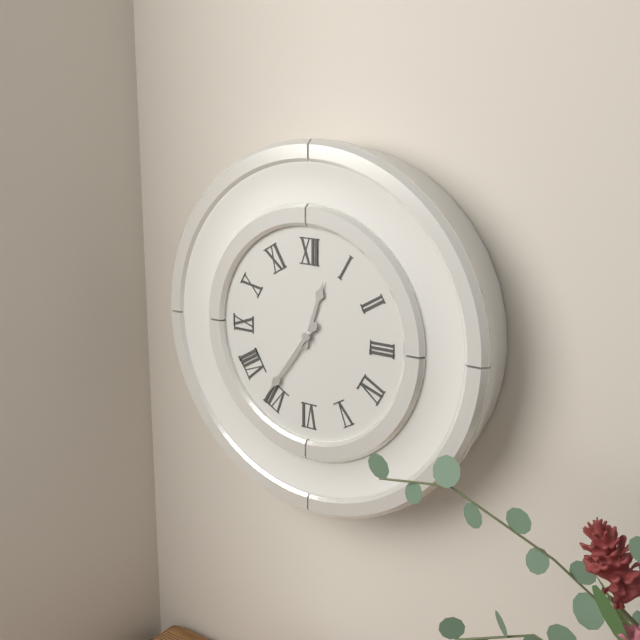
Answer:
12,36
